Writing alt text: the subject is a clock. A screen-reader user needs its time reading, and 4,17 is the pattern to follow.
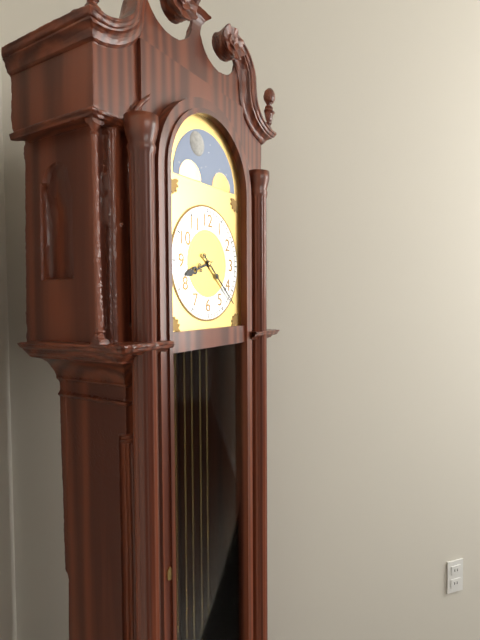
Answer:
8,22
